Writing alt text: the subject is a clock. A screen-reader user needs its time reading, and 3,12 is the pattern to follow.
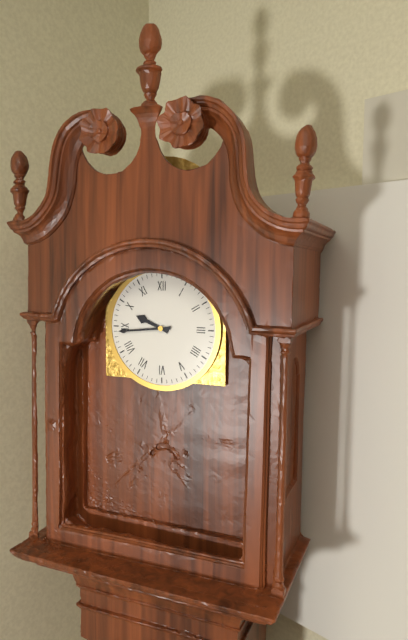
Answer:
9,44
